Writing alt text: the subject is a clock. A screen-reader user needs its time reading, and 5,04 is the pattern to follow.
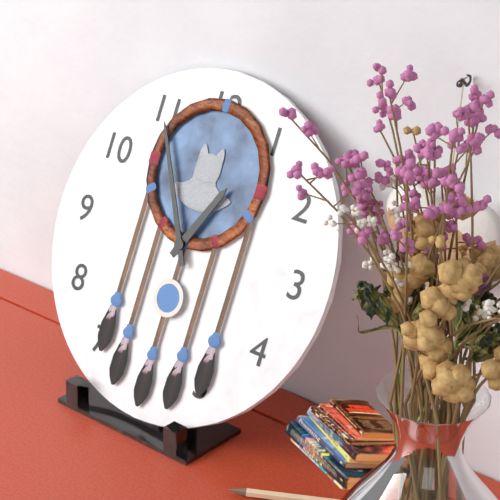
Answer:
12,55
